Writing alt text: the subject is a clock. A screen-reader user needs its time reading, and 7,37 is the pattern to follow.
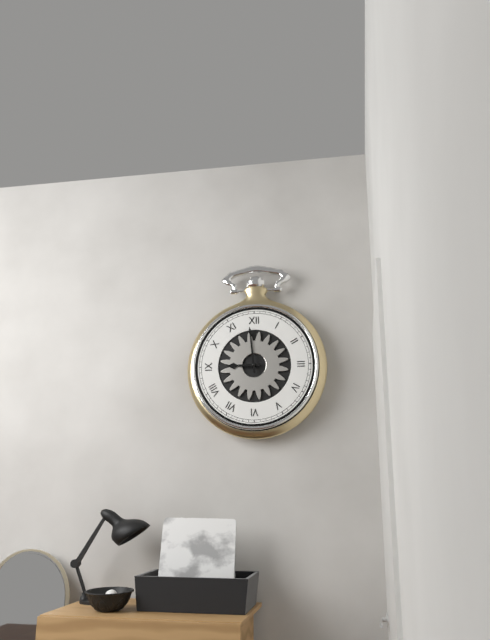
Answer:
8,59
